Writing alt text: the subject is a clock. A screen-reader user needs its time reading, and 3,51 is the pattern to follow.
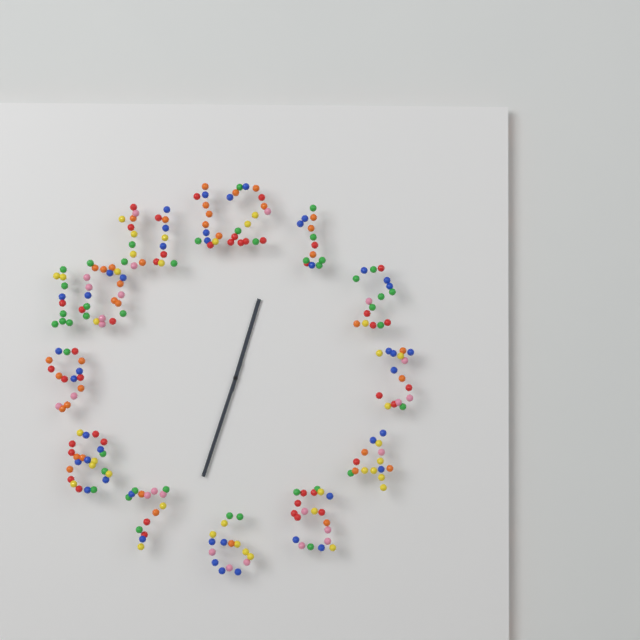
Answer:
12,33
